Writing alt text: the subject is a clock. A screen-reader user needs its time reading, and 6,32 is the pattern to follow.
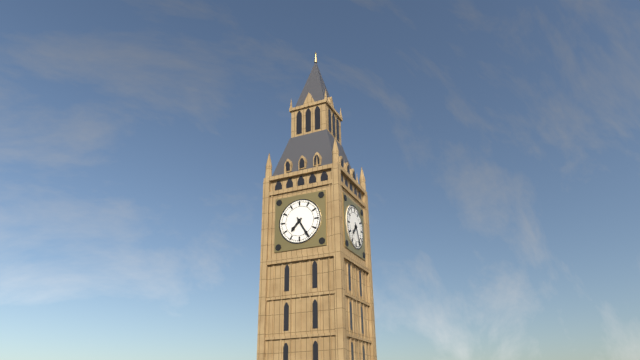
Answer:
7,25
